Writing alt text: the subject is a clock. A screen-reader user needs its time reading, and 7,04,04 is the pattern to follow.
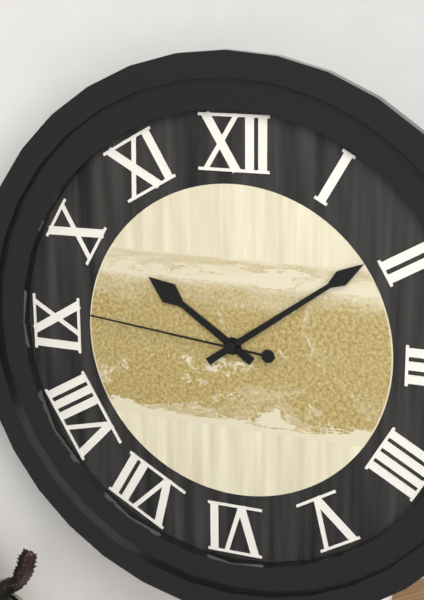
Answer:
10,09,46
